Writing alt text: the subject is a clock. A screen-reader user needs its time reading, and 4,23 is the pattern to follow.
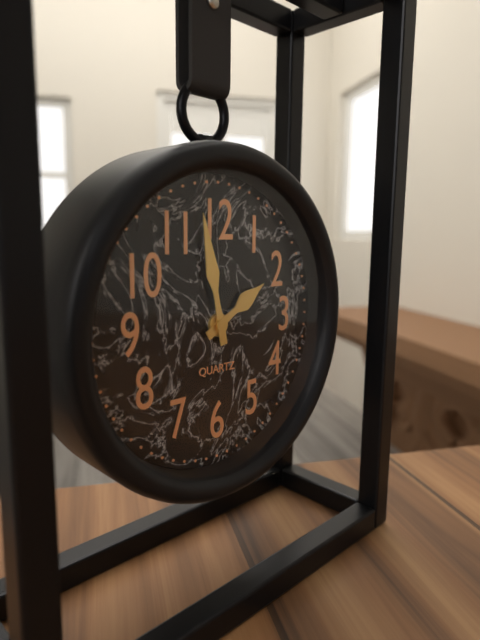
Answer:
1,58
